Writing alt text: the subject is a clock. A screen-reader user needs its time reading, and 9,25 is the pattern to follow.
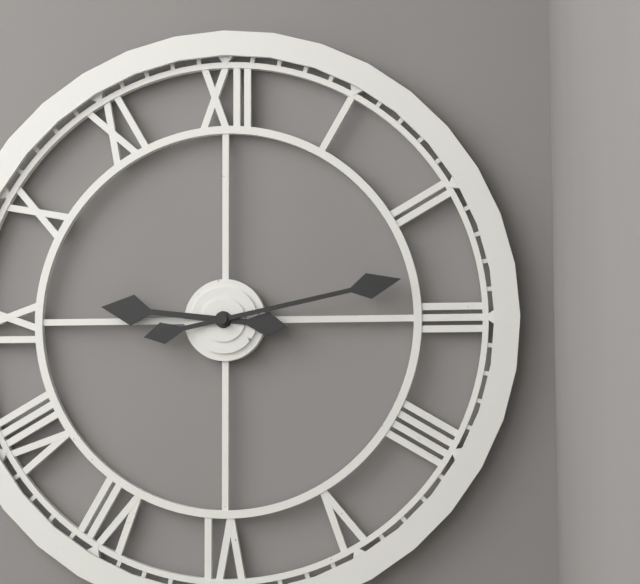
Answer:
9,13
